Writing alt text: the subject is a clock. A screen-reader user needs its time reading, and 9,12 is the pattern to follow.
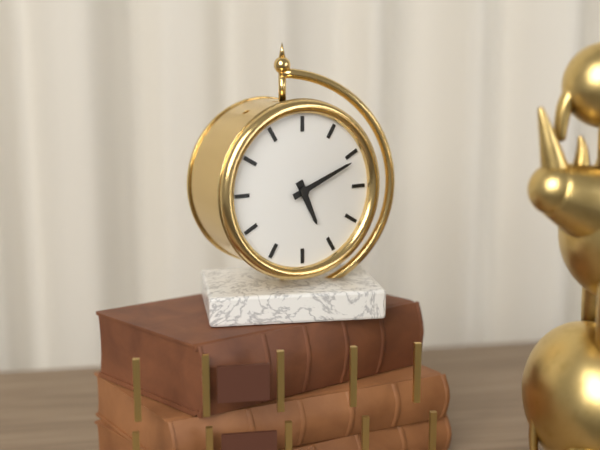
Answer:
5,11
